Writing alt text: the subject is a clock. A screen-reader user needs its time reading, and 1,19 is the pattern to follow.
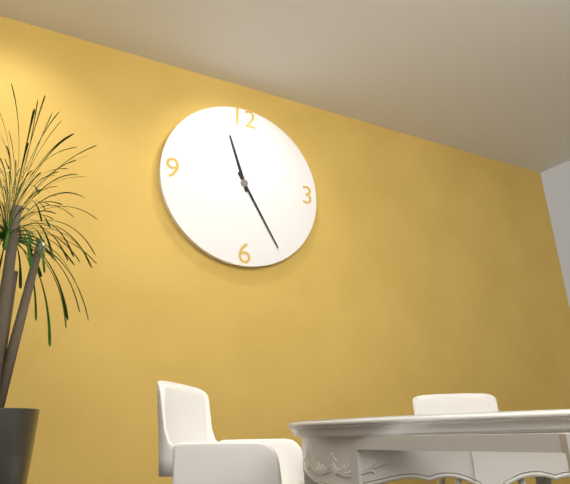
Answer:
11,25
